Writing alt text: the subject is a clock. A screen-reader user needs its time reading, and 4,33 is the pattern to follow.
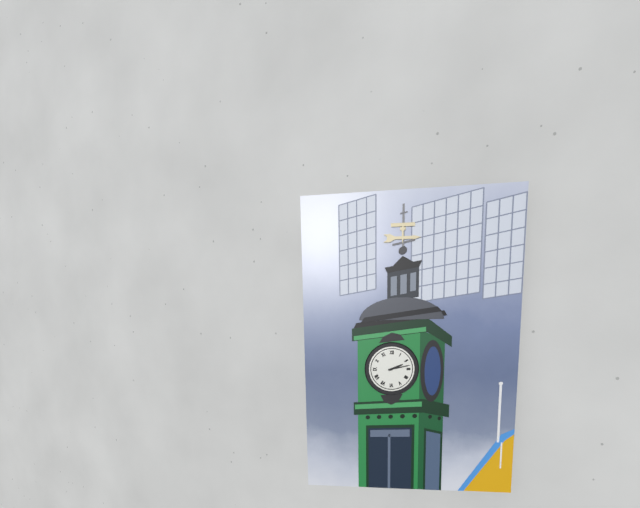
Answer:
2,13
